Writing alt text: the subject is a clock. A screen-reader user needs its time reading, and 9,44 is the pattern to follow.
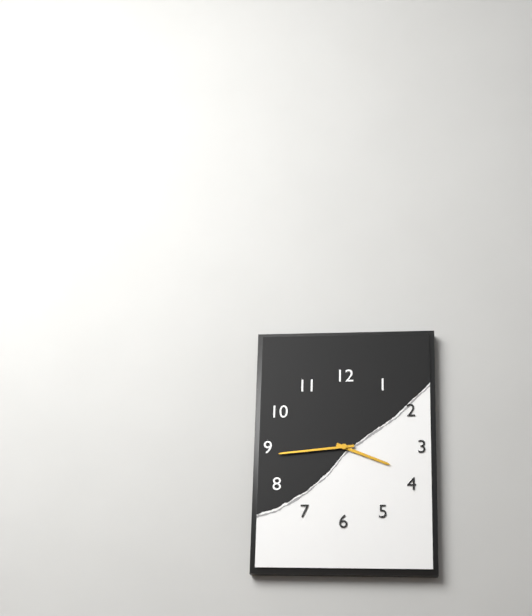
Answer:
3,44
